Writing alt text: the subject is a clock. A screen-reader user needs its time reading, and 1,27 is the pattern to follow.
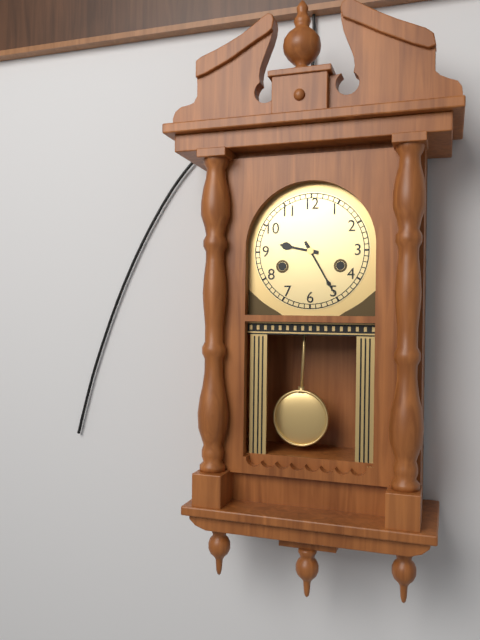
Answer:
9,25
